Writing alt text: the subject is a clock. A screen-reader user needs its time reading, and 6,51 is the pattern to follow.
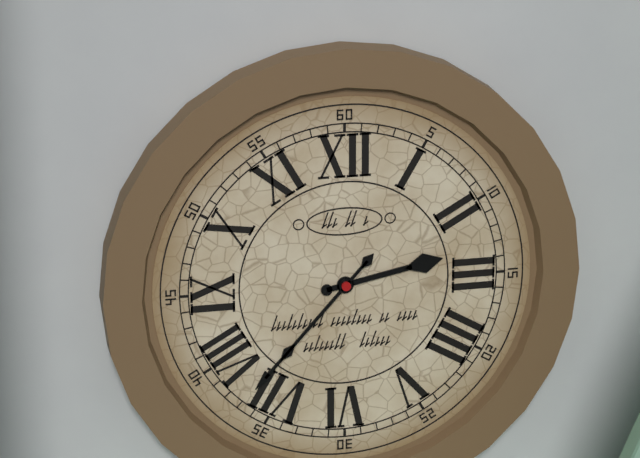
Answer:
2,37
